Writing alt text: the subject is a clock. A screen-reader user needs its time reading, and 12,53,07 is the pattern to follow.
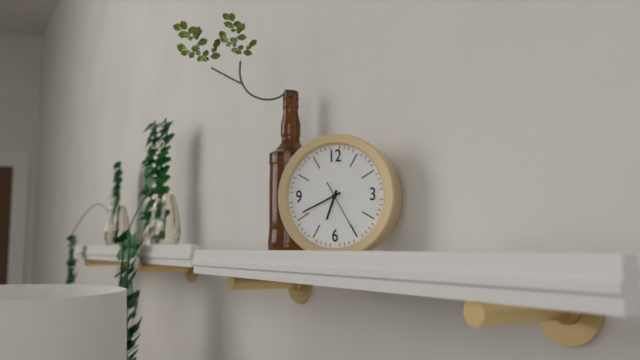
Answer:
6,41,25
